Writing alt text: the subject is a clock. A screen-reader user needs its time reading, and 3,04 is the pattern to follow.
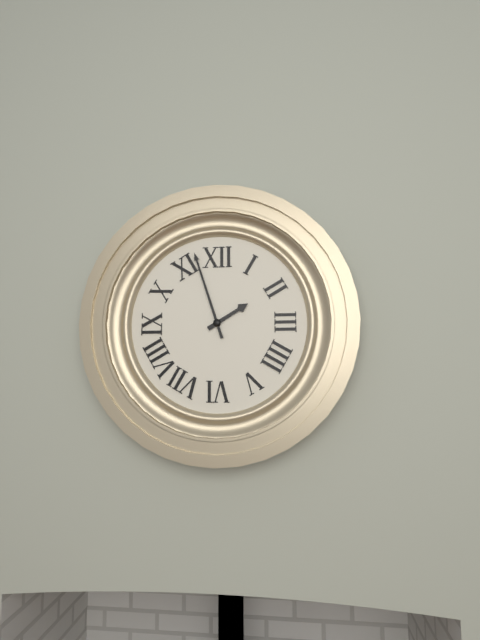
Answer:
1,57
